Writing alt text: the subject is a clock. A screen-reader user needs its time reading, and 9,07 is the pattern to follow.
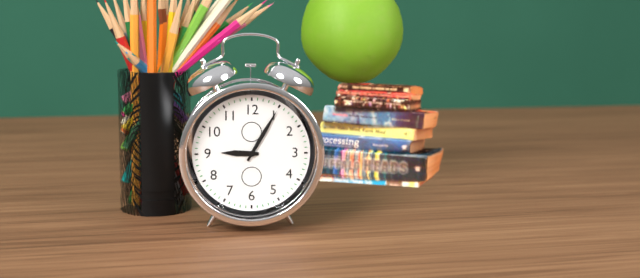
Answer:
9,05
